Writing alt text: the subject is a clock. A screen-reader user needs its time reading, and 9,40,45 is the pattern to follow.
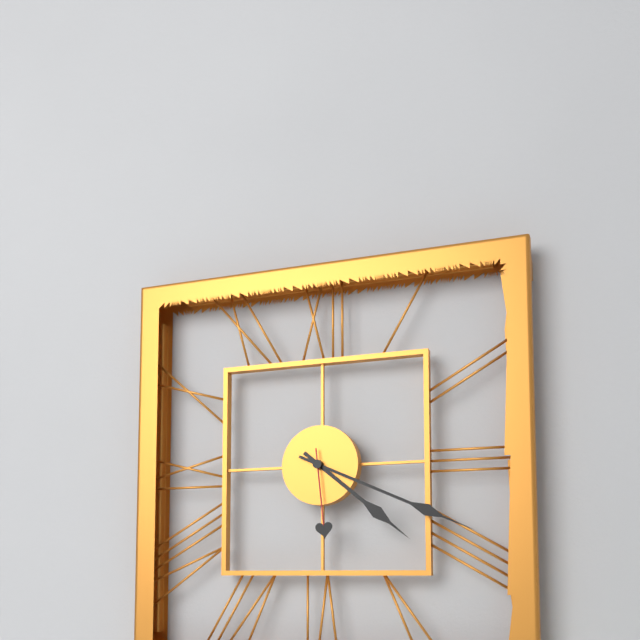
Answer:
4,19,29
